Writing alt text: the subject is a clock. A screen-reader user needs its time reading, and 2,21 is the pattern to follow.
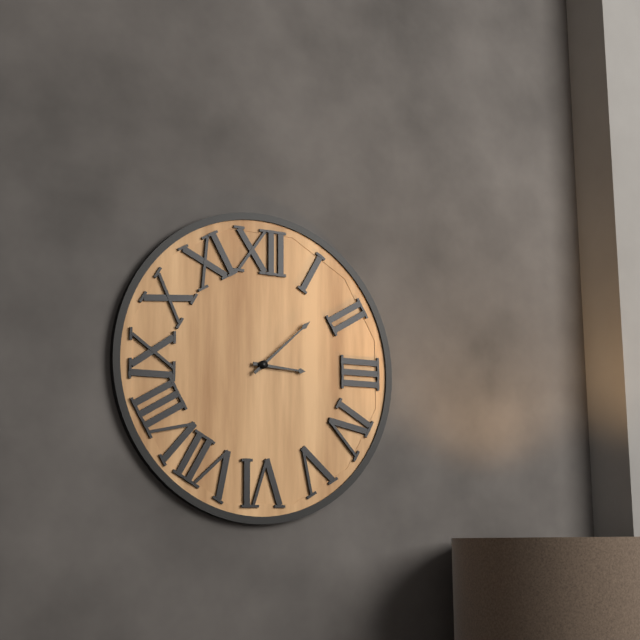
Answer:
3,08
